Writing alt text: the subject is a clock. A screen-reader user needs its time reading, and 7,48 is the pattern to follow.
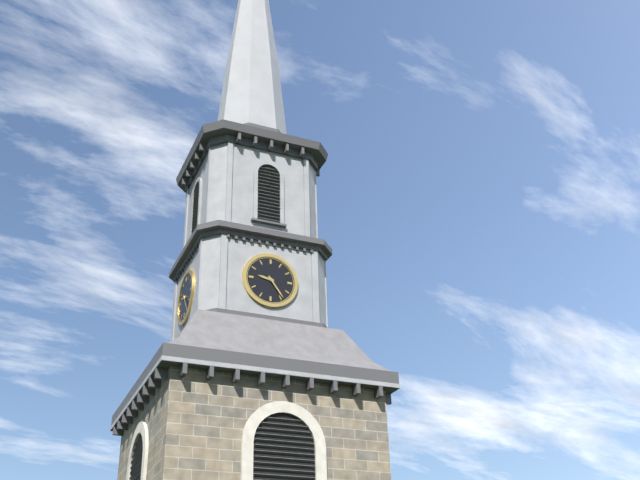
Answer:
9,24
